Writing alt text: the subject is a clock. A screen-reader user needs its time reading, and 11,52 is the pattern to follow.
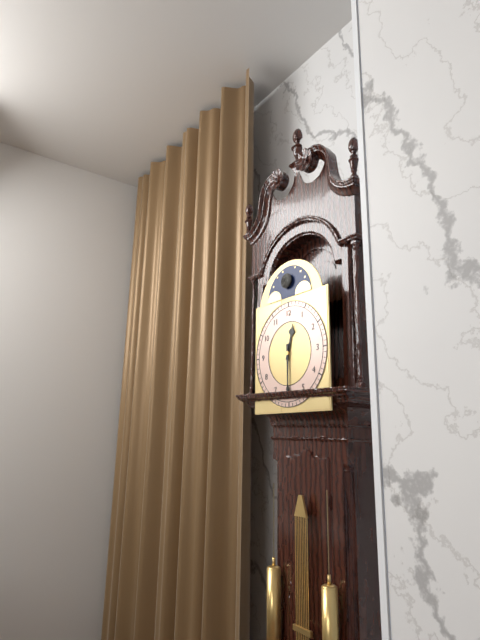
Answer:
12,30
